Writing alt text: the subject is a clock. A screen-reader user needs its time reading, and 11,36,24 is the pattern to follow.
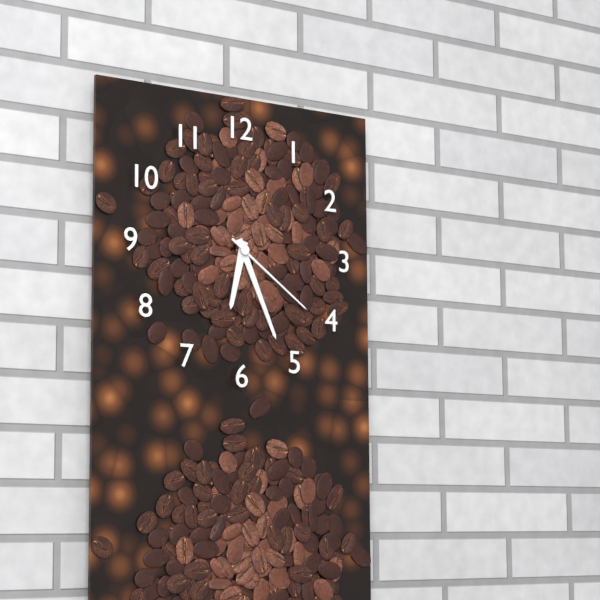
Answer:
6,26,21
